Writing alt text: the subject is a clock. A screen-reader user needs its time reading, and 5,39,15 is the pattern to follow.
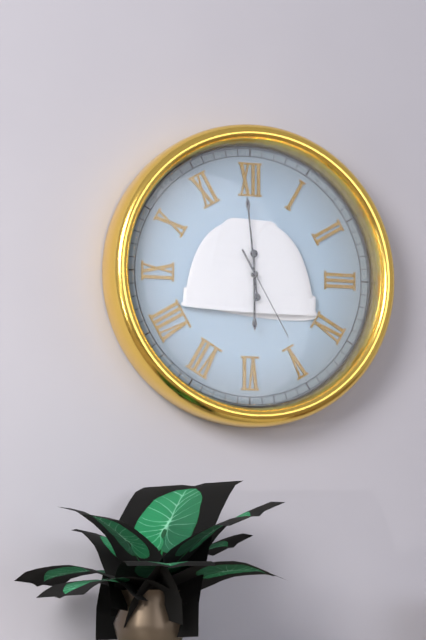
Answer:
5,59,25
